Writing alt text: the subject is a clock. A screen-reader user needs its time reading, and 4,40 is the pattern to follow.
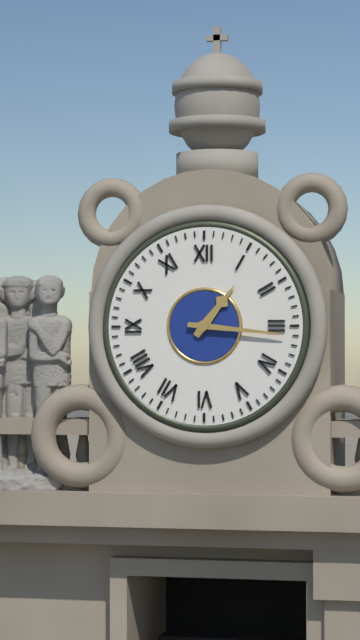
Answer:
1,16
